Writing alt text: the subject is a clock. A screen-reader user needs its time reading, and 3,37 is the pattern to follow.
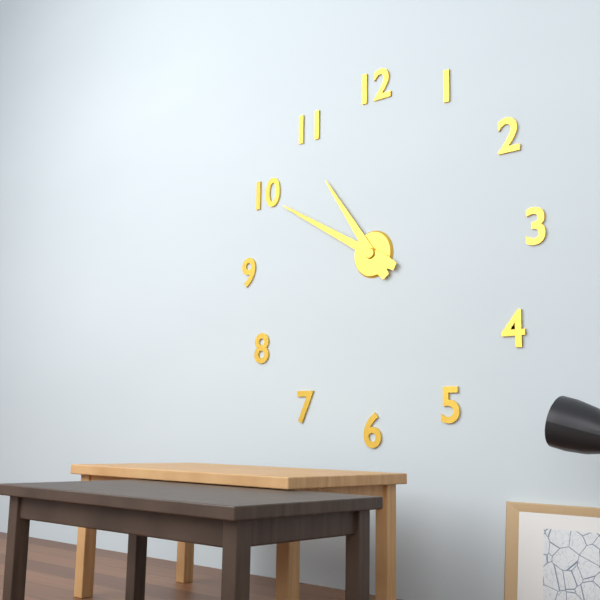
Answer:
10,50
